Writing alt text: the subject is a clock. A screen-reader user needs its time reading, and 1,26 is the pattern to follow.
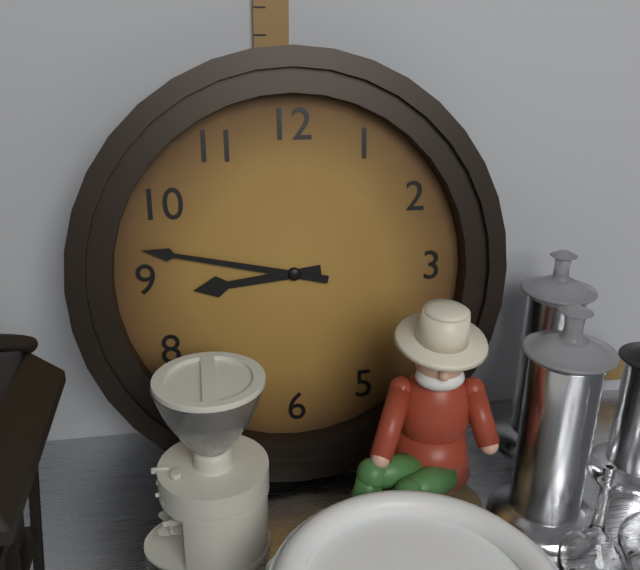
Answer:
8,47
